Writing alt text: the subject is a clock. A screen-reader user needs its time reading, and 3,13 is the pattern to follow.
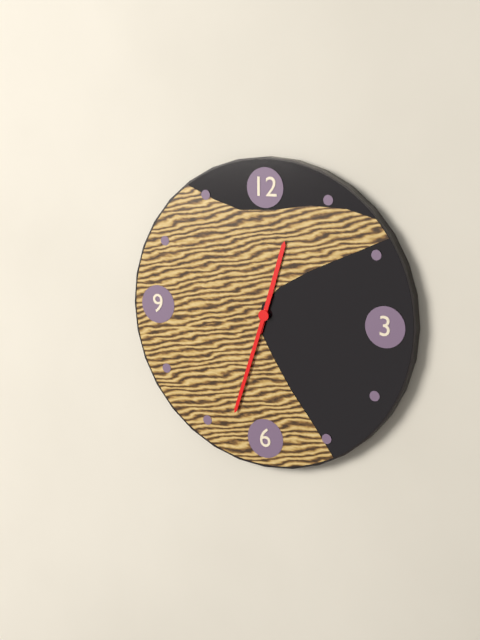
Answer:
12,33
